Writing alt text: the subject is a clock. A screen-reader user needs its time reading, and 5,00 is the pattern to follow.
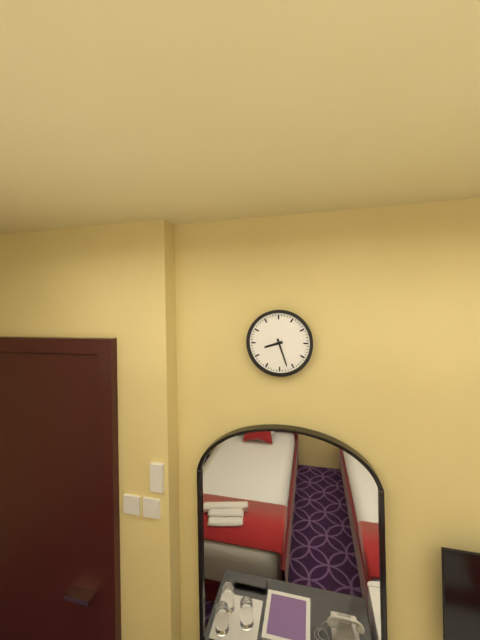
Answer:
8,27
